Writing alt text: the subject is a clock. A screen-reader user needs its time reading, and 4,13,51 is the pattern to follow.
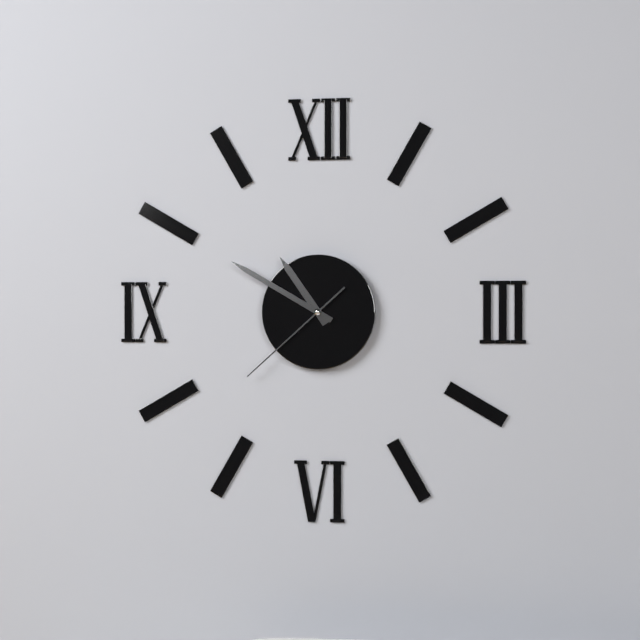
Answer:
10,50,38
